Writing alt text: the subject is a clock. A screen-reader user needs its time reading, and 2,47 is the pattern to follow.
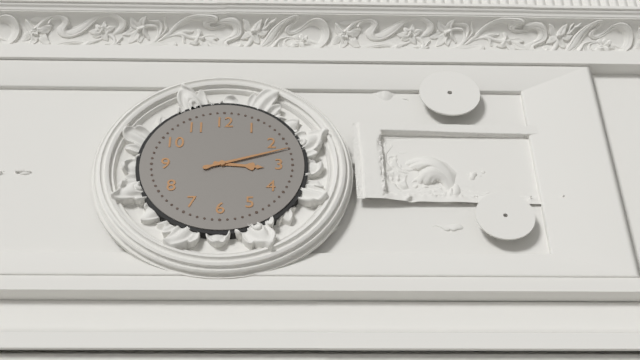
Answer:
3,12
